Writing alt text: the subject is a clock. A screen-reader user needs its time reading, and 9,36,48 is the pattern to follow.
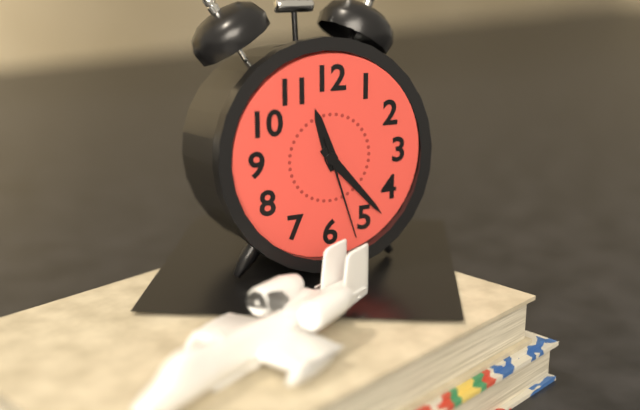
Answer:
11,23,27
